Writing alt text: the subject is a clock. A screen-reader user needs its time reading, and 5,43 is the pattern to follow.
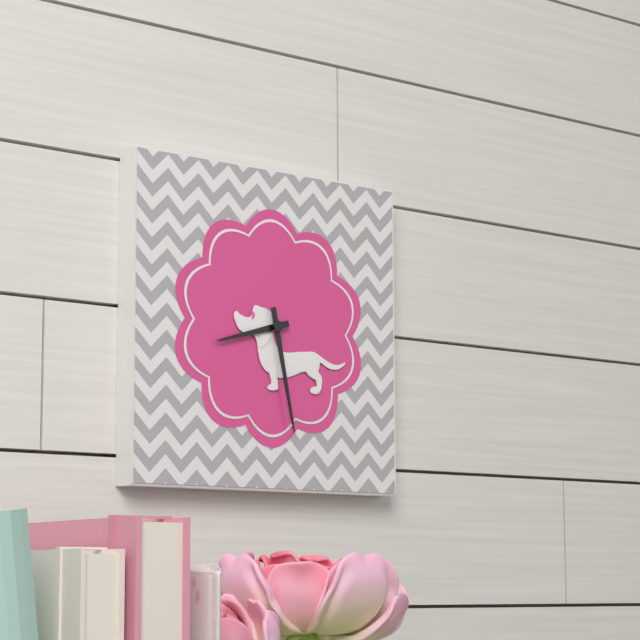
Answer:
8,28
